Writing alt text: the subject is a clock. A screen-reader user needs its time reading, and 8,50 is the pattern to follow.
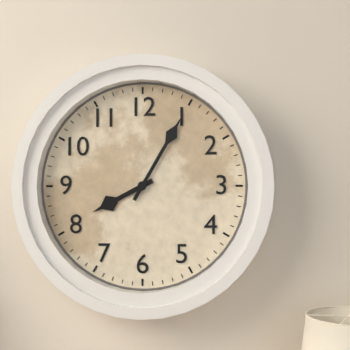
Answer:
8,05
